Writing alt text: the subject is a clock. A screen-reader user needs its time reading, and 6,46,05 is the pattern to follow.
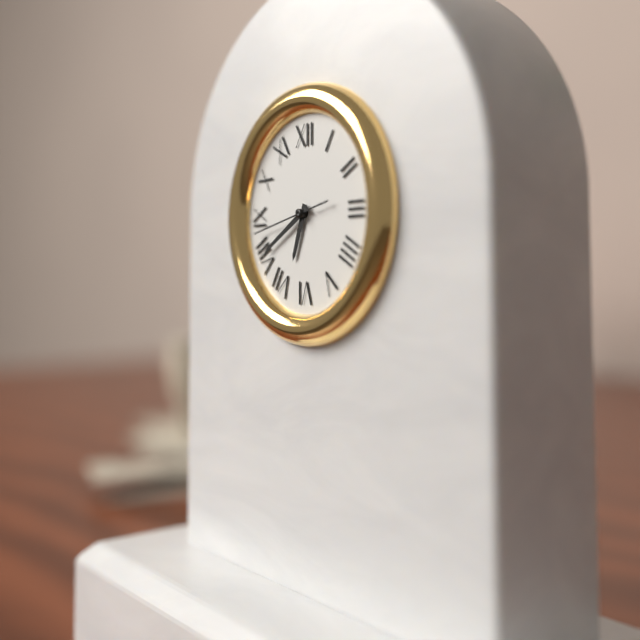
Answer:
6,40,43
